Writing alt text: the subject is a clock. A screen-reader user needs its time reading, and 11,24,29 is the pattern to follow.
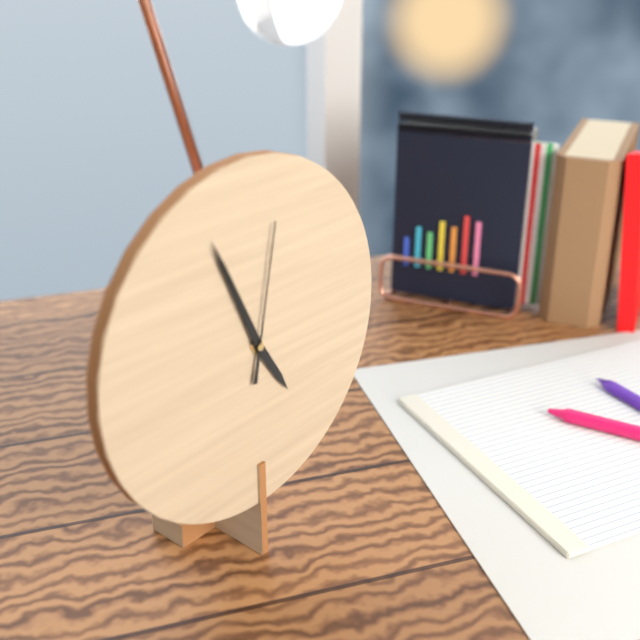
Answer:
4,56,02
